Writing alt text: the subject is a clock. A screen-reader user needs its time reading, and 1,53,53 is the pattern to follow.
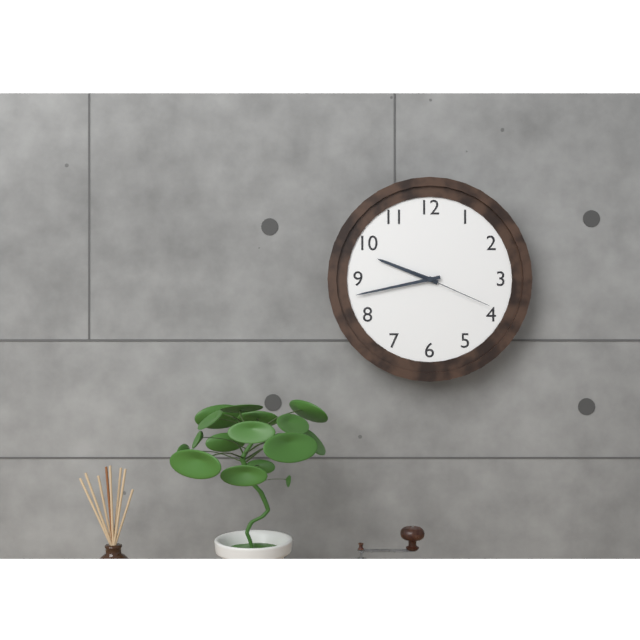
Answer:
9,43,19
